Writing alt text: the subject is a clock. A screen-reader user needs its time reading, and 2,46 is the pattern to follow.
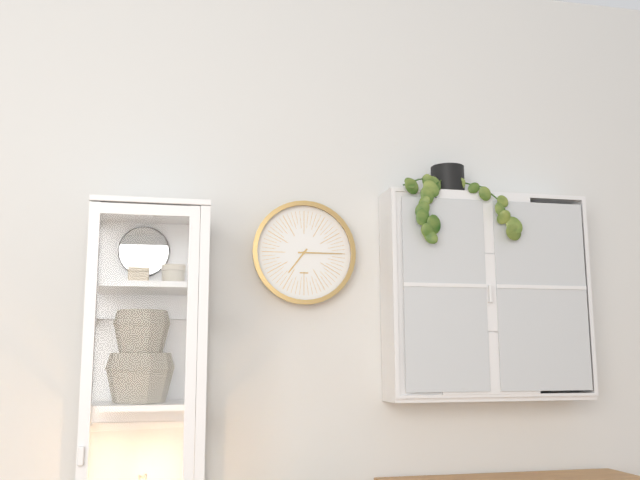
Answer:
7,15
